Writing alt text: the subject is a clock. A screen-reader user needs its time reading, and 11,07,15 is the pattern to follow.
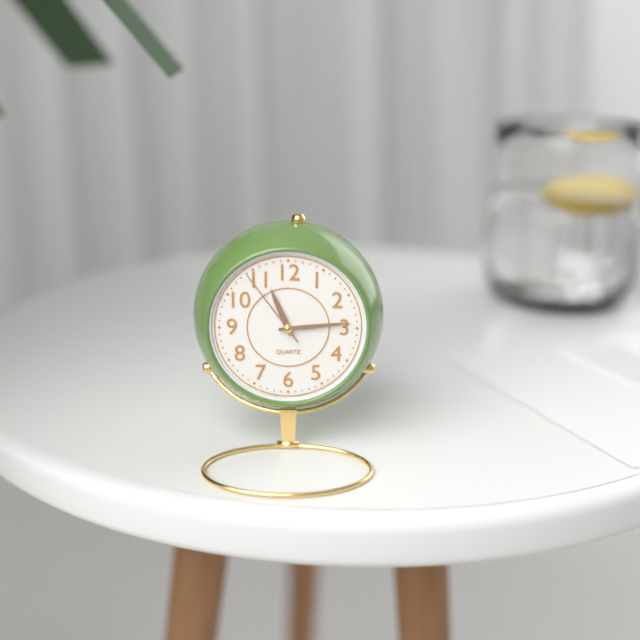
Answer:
11,14,54
